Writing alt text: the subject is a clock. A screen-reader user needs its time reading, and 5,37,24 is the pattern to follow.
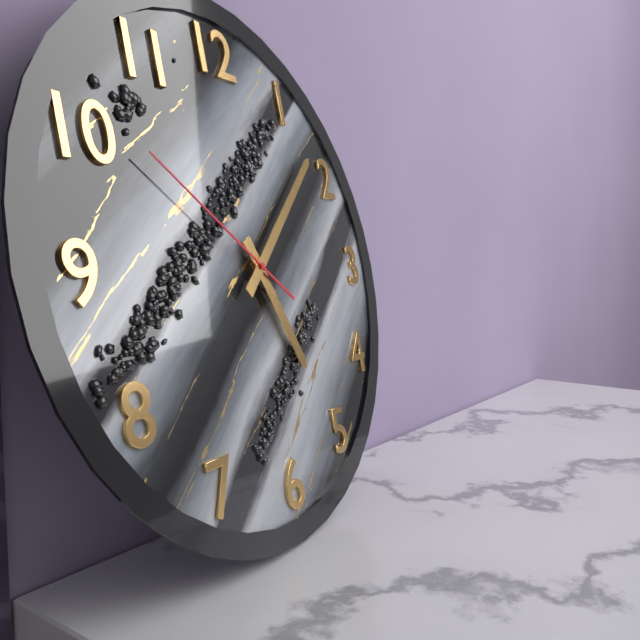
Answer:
5,08,51
